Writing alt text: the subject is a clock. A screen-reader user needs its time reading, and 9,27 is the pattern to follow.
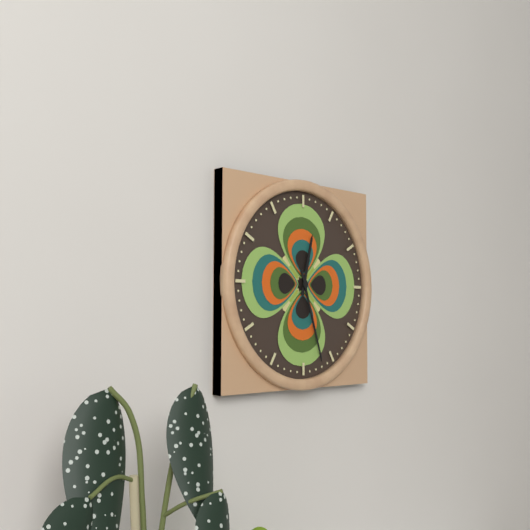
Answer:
12,27
